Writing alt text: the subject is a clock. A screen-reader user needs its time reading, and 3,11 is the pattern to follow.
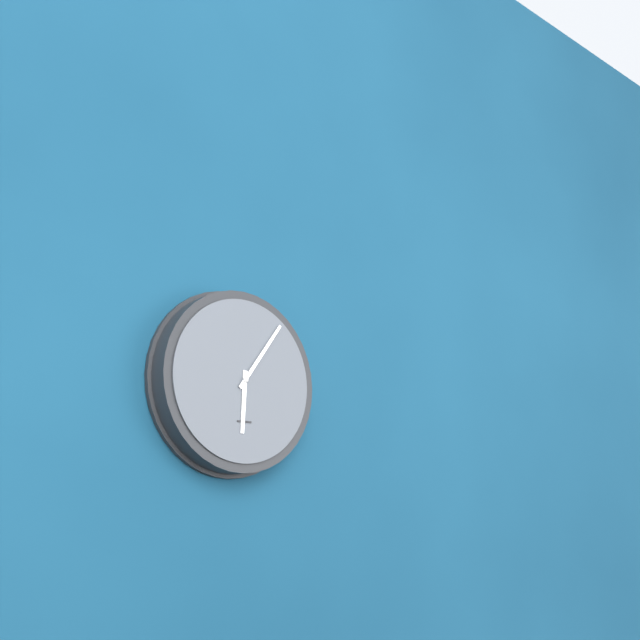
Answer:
6,06
